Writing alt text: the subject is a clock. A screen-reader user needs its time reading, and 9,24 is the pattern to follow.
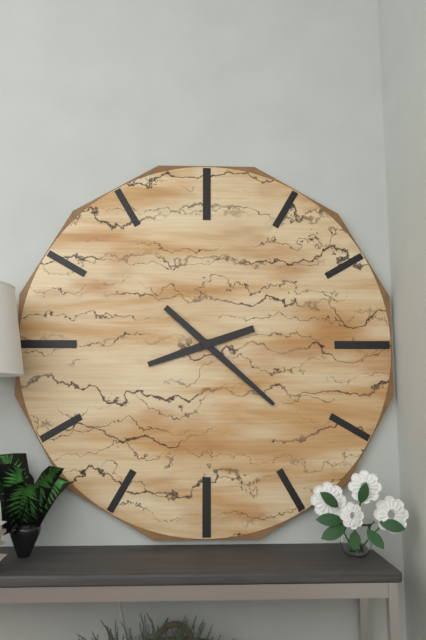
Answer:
8,22
